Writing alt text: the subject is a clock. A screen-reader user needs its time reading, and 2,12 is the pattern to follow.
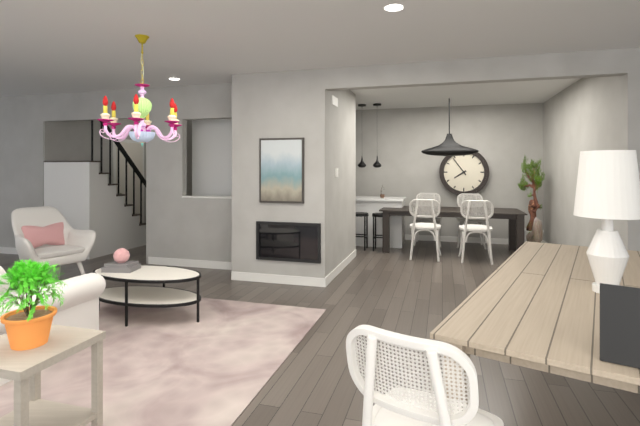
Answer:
7,54
